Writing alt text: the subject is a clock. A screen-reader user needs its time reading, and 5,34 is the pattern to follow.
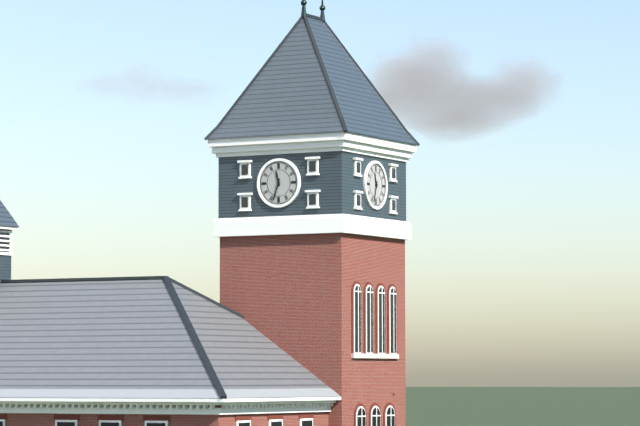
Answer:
11,33
